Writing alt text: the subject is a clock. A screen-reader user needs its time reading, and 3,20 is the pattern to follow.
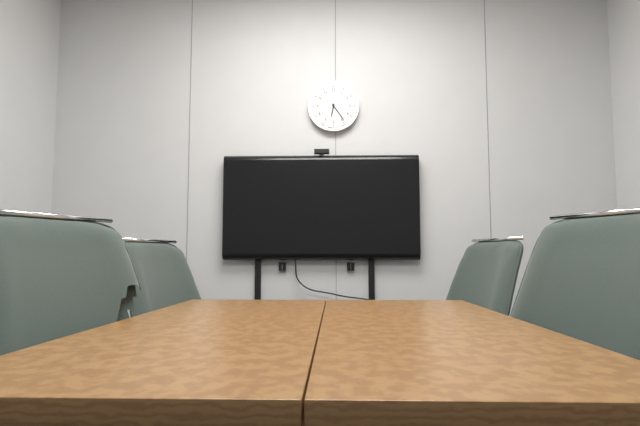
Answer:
6,24
